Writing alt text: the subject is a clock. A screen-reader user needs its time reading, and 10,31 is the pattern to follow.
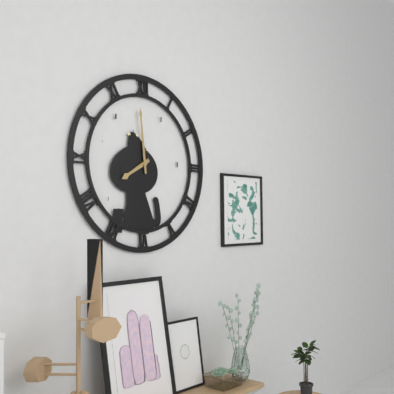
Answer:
7,59
